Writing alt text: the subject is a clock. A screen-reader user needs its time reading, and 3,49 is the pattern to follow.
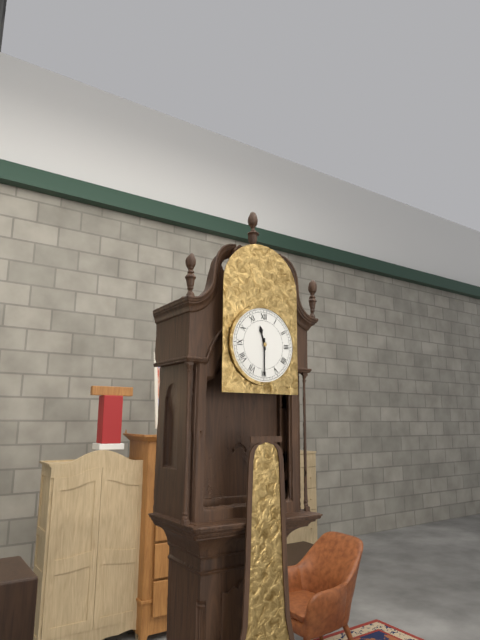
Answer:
11,30
